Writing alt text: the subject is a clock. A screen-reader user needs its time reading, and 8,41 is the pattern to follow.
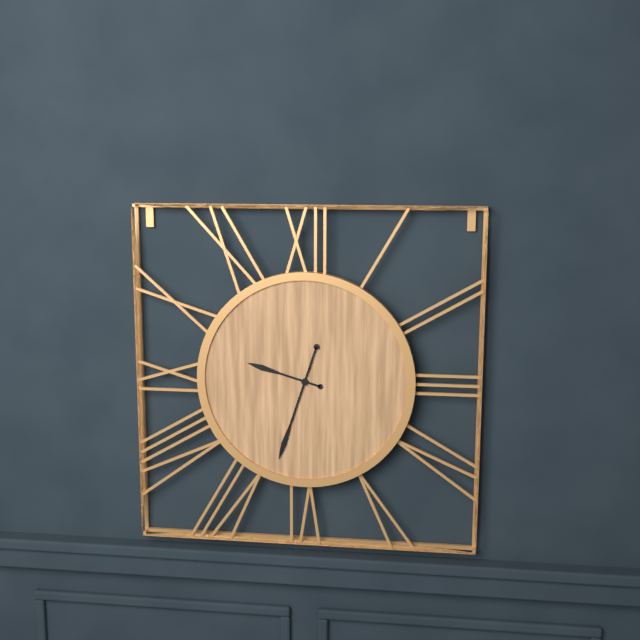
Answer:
9,33
